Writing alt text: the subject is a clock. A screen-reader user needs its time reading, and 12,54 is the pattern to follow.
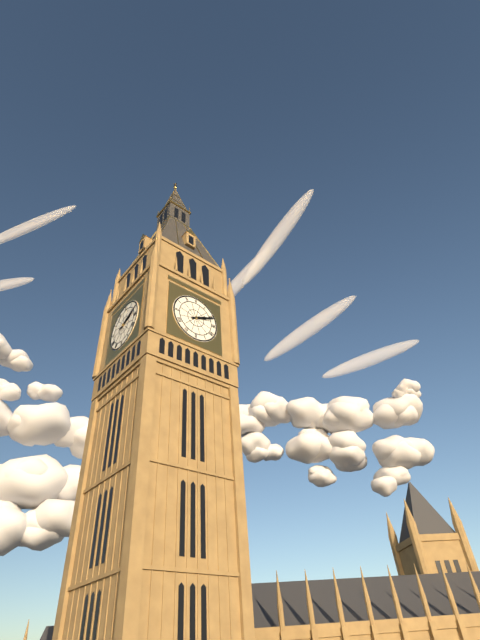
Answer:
2,11
